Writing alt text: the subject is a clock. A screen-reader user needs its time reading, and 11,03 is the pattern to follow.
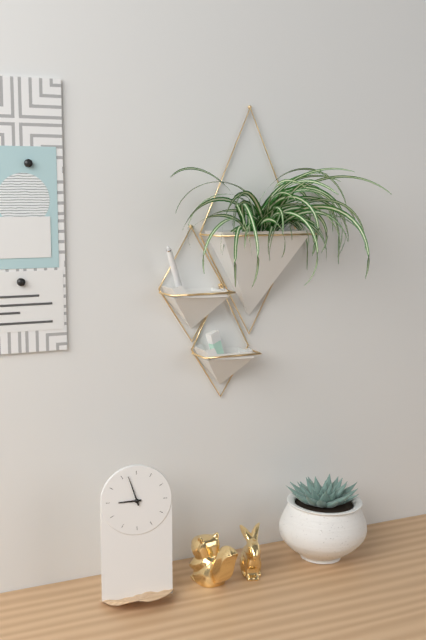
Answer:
8,57
